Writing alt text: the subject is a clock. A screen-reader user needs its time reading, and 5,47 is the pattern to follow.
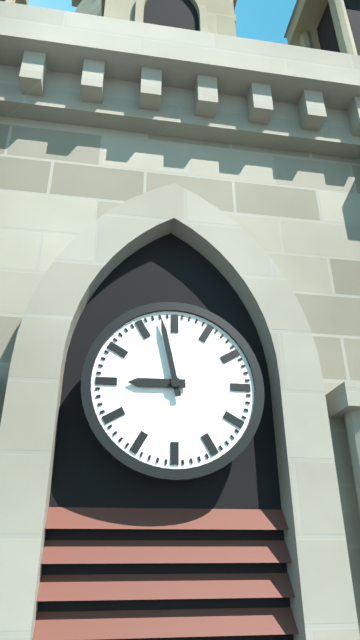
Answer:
8,58
